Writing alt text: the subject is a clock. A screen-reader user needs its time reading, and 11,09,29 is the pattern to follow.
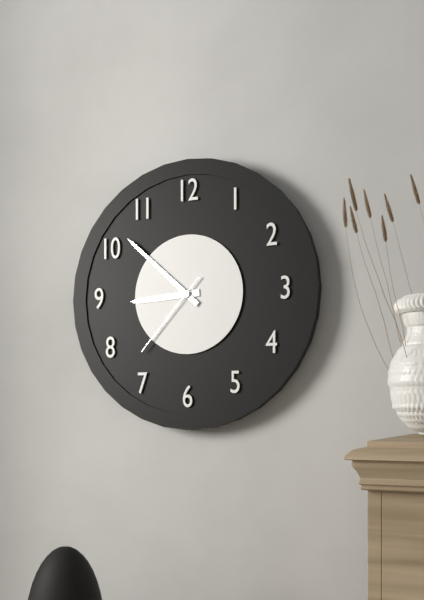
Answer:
8,52,37
